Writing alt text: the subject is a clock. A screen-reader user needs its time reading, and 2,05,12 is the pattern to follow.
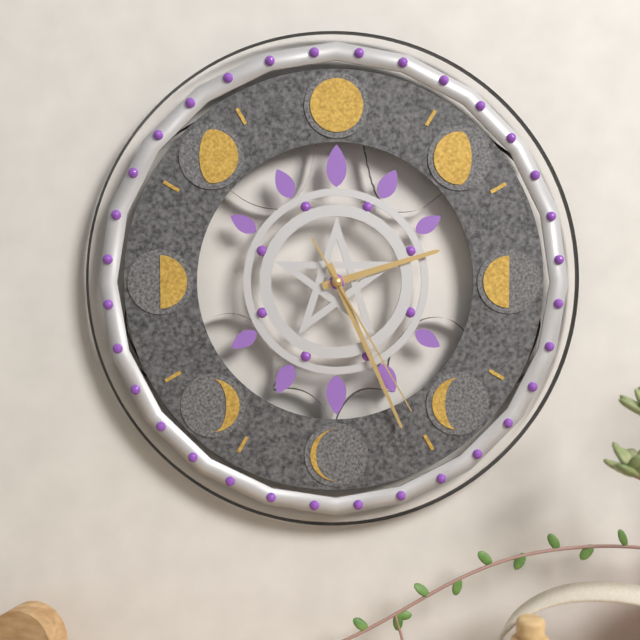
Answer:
2,26,25
